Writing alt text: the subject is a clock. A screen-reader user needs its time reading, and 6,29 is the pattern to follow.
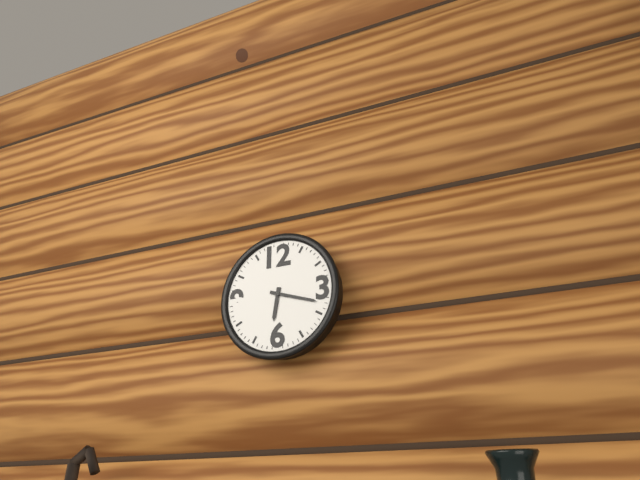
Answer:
6,18
